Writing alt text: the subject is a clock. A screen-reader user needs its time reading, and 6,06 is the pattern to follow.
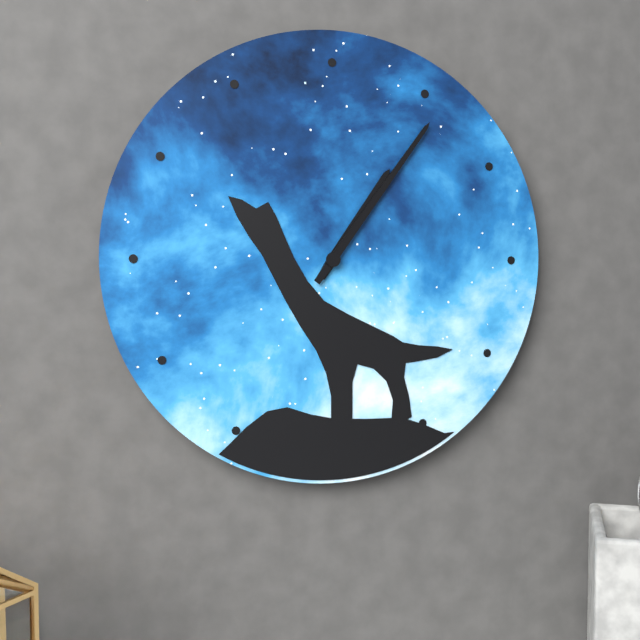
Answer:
1,06
